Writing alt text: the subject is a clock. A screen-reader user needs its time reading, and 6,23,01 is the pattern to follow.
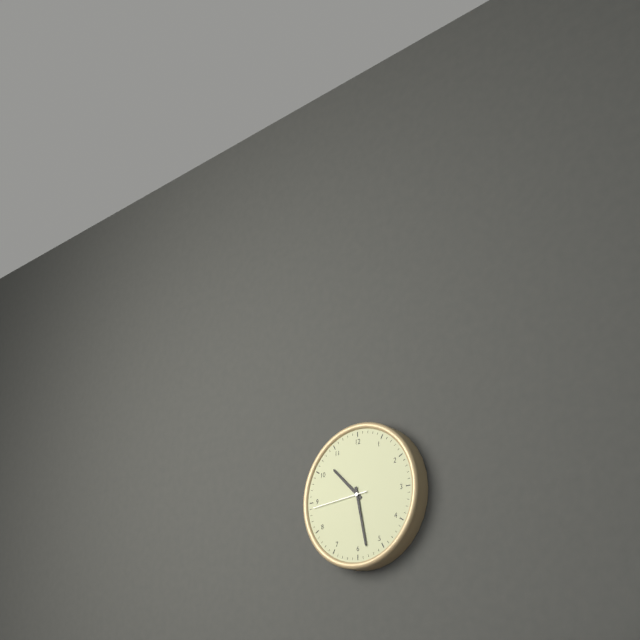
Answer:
10,28,44
